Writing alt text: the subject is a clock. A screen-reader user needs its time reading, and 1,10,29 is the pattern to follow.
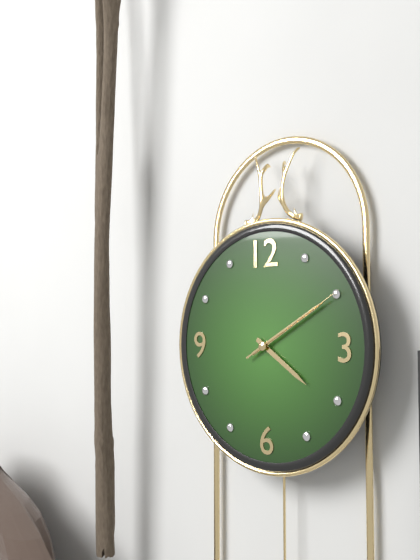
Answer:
4,10,10
